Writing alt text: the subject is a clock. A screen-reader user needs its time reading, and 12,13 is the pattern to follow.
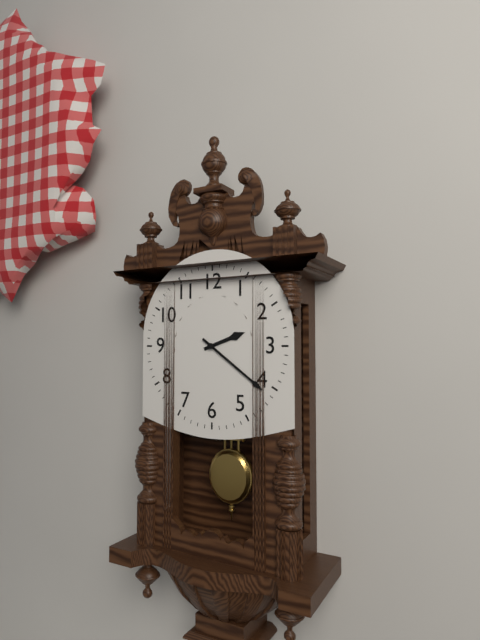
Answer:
2,21
